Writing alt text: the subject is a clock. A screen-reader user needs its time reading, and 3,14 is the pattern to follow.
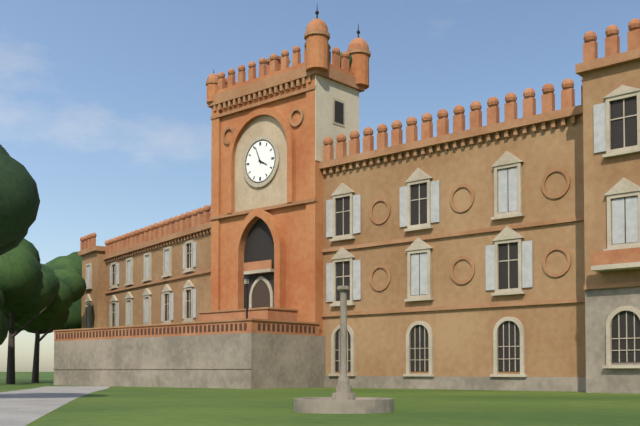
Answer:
3,56
